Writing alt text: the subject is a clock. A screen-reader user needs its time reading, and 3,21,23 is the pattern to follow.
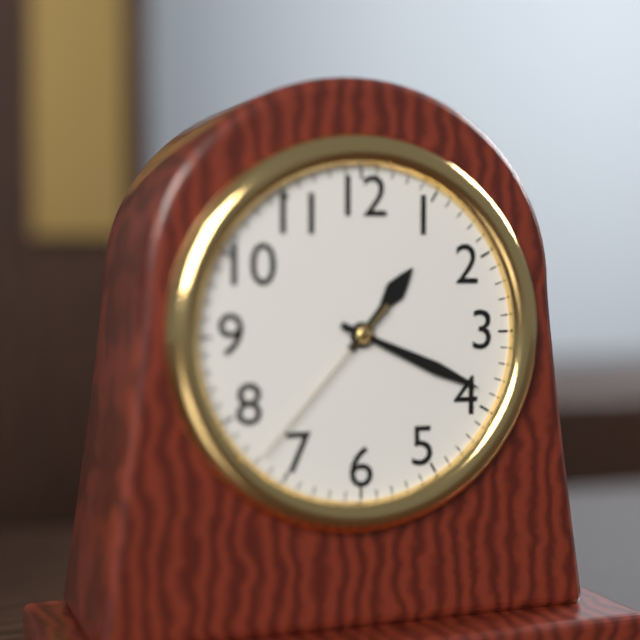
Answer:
1,19,37
